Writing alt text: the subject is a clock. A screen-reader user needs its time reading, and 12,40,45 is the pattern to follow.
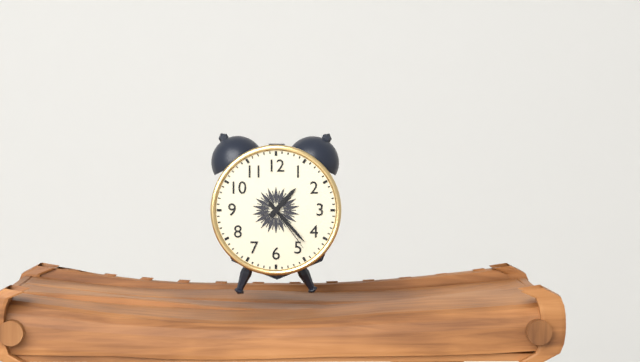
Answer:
1,23,24
